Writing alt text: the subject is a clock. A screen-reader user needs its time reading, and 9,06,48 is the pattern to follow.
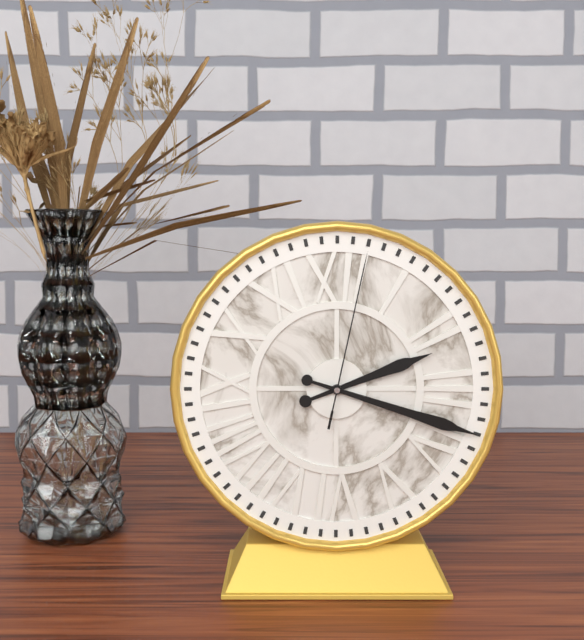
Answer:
2,18,02
